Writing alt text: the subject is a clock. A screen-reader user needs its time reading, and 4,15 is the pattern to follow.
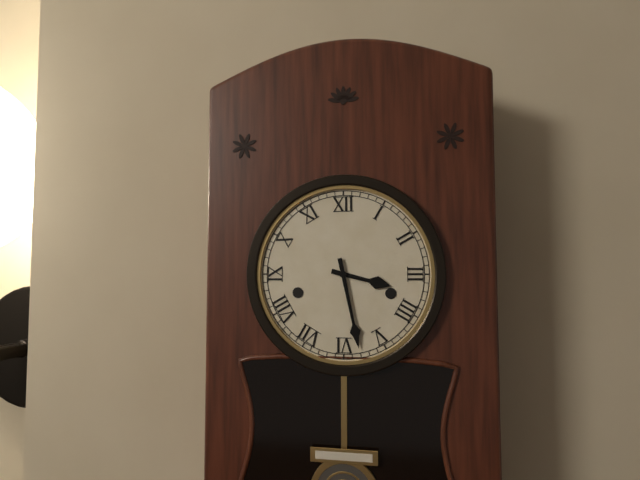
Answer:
3,28
